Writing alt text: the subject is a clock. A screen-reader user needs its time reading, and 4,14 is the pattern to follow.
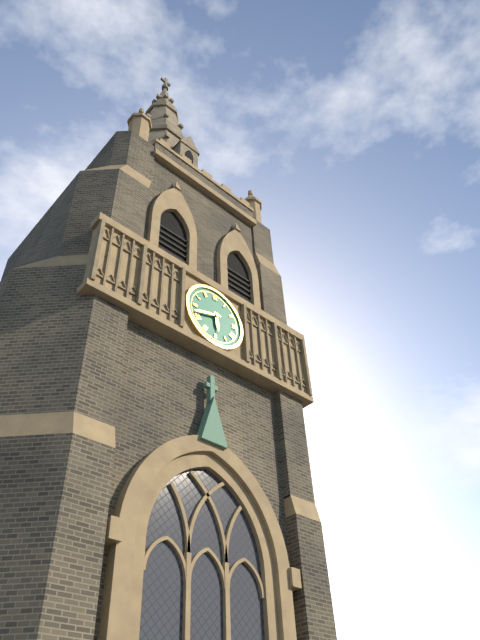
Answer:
5,42
